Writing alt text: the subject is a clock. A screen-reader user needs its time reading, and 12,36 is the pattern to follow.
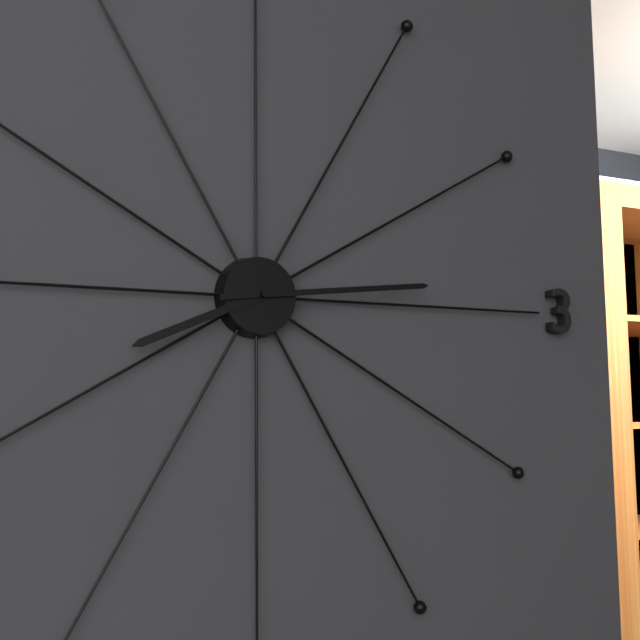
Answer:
8,14
